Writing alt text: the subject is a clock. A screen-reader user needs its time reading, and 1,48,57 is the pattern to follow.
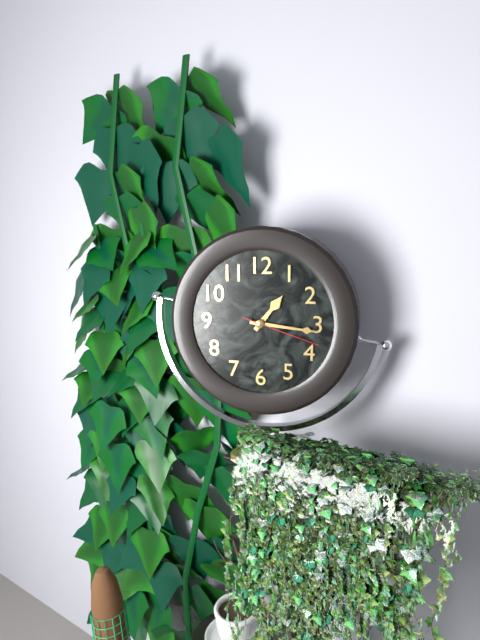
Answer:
1,16,18
